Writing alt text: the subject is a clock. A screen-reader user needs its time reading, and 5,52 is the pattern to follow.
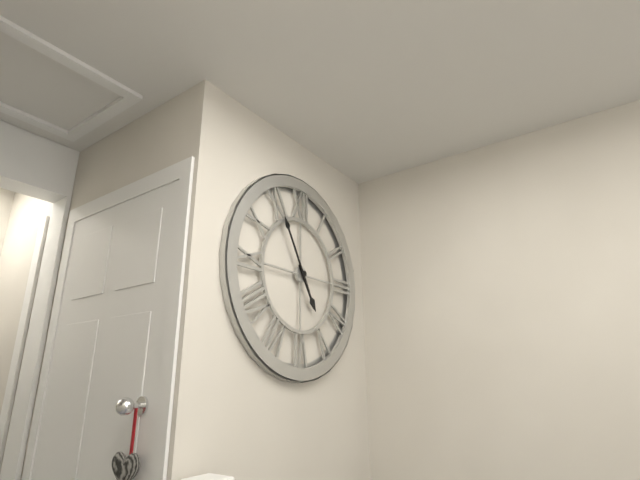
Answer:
4,55
